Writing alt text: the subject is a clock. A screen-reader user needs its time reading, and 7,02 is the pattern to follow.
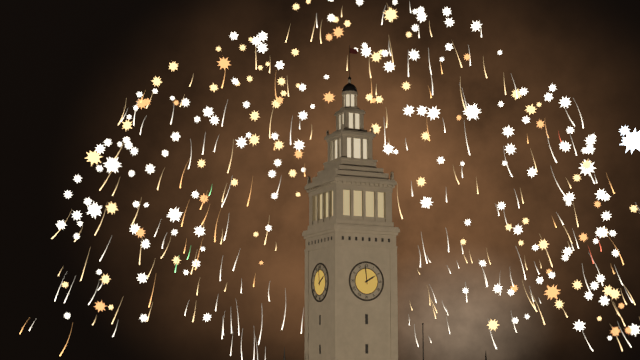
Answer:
1,59
